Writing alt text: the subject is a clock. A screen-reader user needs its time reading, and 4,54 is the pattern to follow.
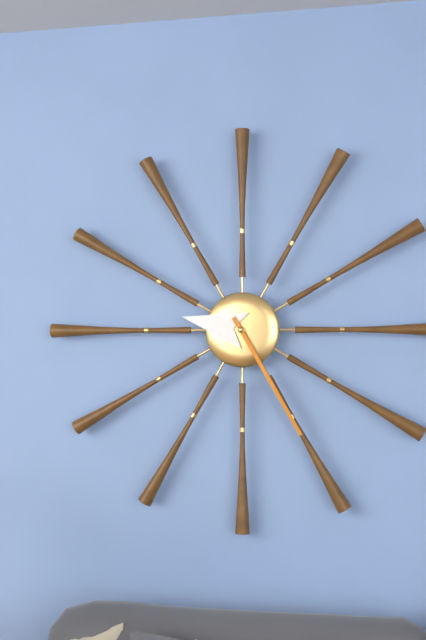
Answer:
9,25
